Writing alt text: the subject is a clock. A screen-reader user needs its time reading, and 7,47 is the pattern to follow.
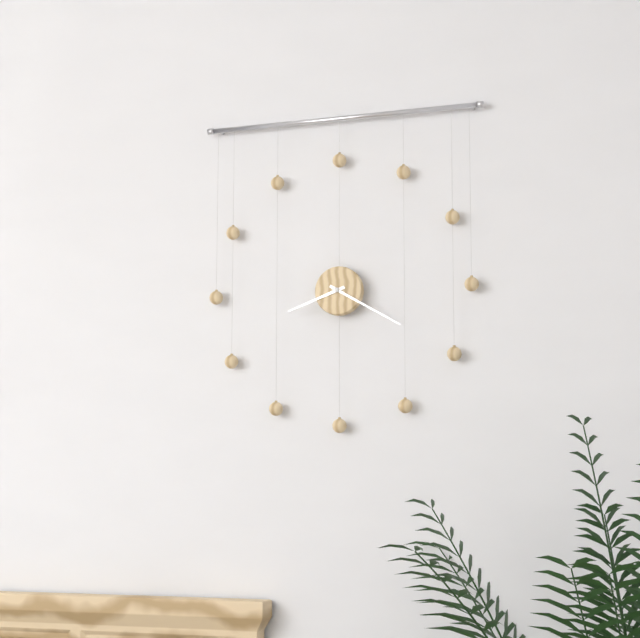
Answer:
8,20
